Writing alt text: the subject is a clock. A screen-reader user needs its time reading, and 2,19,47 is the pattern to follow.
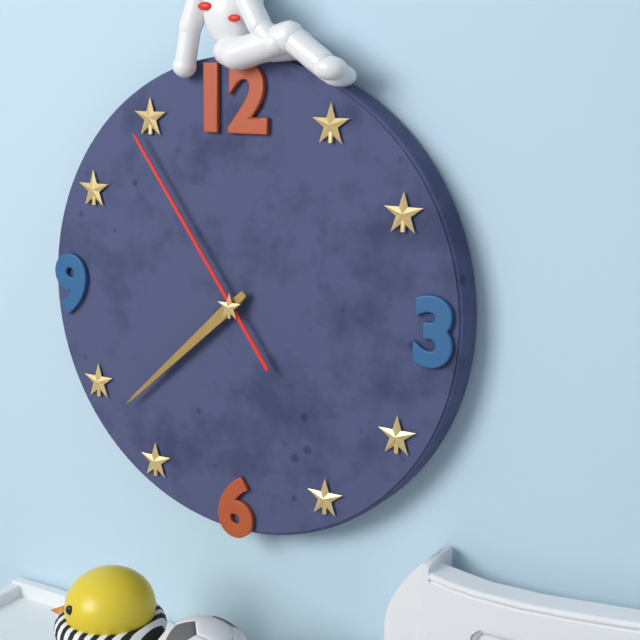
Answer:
7,38,54
